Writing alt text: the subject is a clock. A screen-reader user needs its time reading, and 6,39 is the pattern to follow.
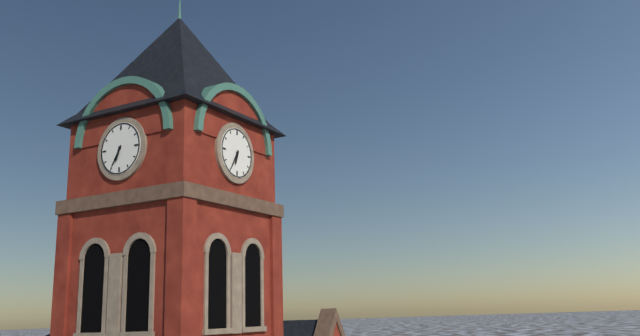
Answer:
6,35
